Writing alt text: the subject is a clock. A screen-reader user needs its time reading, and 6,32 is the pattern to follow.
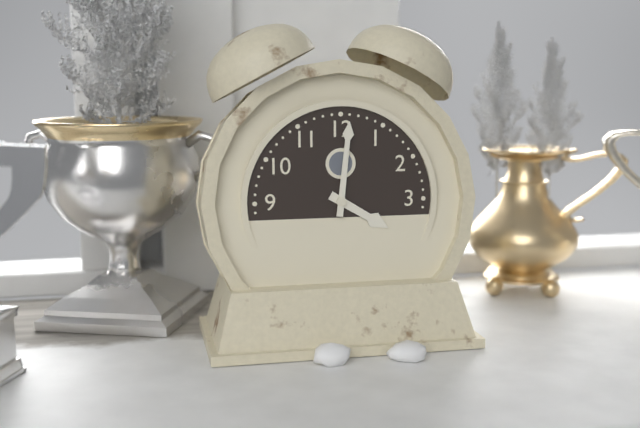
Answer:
4,01
